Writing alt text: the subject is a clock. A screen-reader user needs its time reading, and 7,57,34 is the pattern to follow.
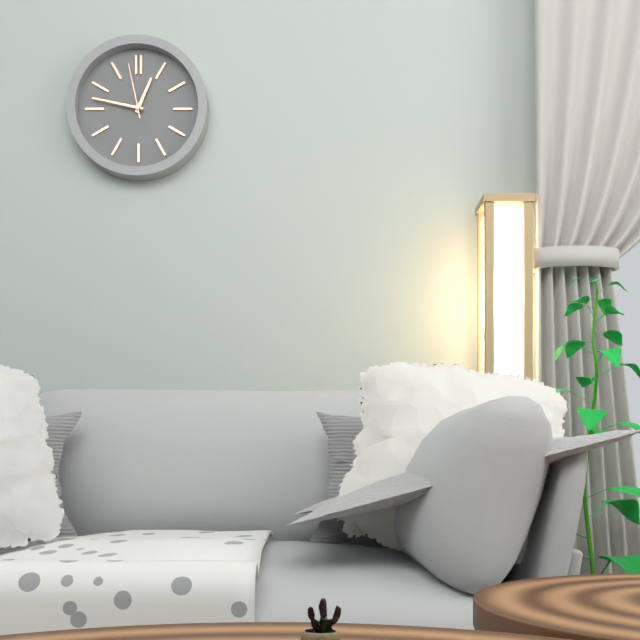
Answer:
12,47,58
